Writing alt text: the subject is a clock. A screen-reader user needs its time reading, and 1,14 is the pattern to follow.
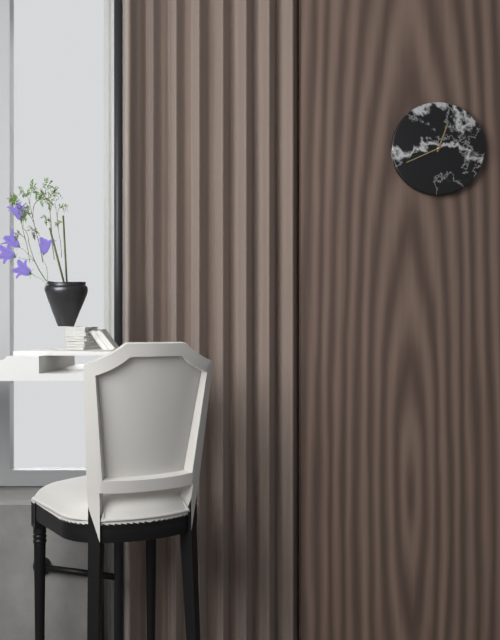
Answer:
12,41
